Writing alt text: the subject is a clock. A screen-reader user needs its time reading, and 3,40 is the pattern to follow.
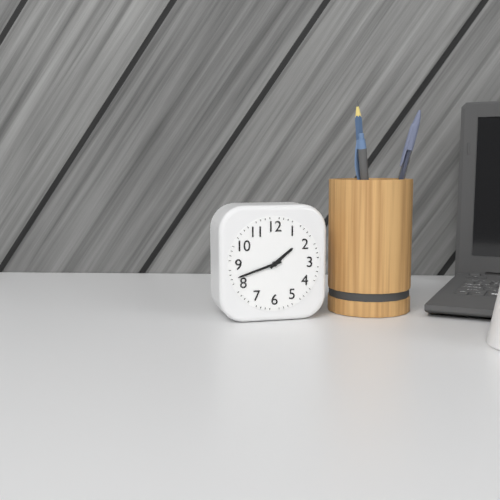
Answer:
1,42
